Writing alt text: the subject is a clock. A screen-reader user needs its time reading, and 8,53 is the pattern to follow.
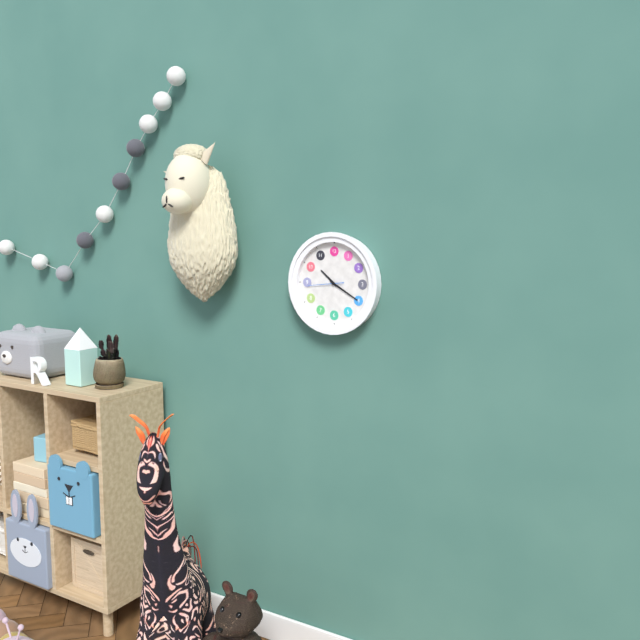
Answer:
10,20
